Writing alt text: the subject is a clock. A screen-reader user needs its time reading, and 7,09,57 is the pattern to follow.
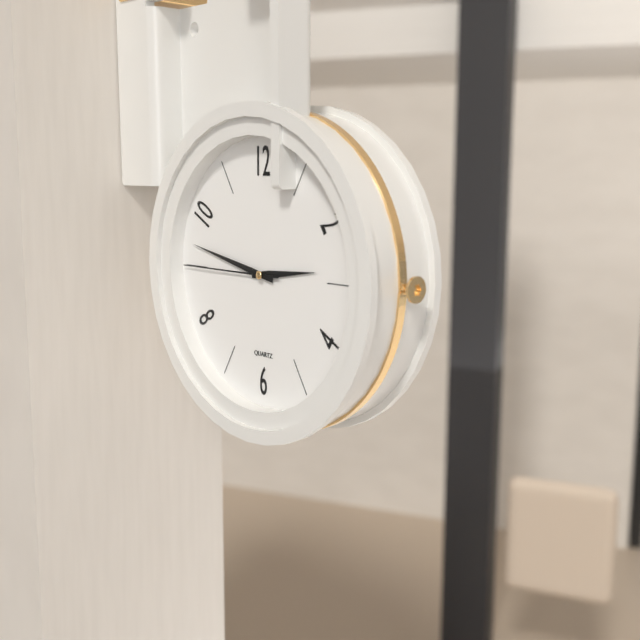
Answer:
2,47,45
